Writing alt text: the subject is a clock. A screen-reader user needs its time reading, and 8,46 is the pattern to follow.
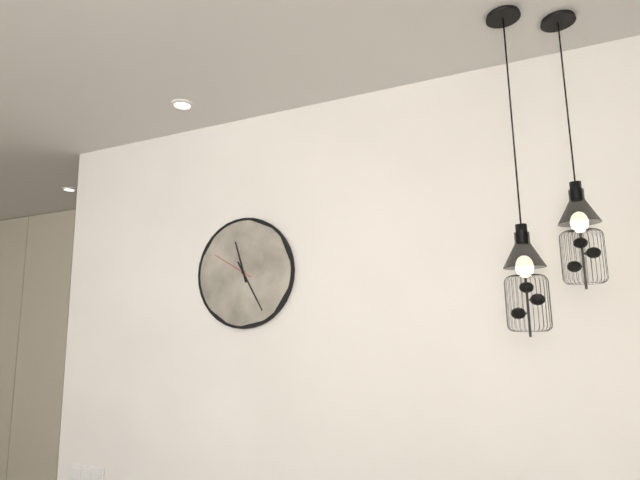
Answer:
11,25
